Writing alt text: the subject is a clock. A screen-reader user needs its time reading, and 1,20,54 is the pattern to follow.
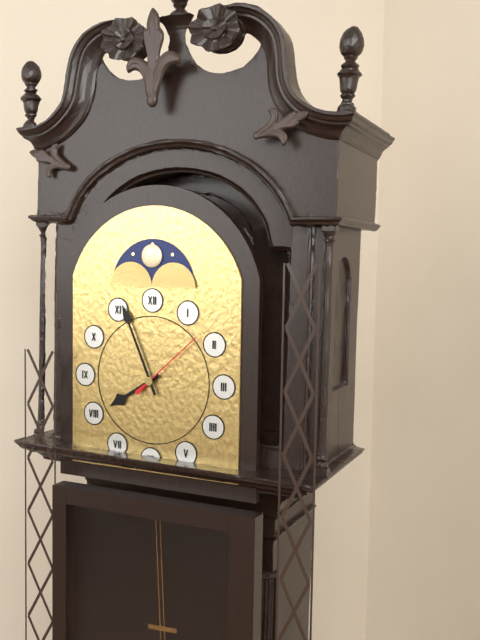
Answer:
7,56,08
